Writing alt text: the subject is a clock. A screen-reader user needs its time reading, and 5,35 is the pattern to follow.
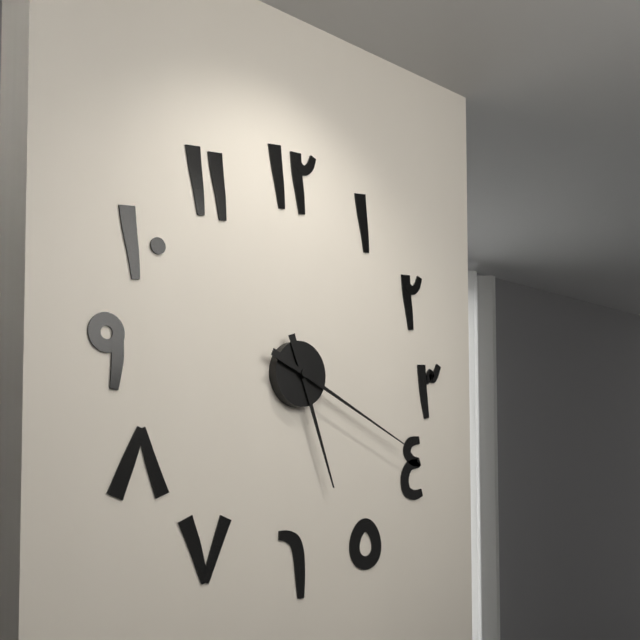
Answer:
5,19
